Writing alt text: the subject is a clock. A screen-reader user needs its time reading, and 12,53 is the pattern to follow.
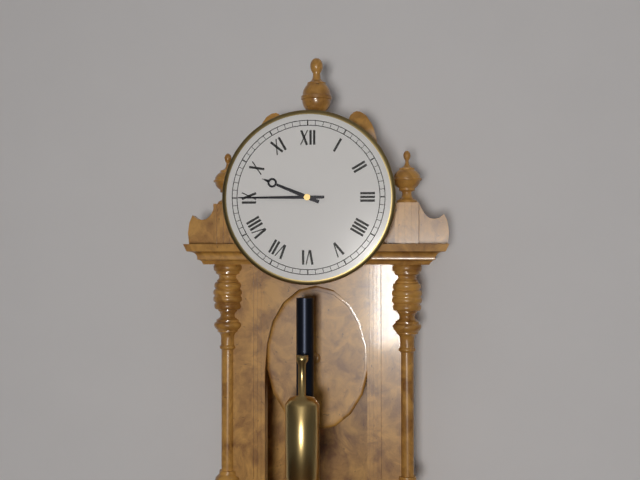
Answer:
9,45
